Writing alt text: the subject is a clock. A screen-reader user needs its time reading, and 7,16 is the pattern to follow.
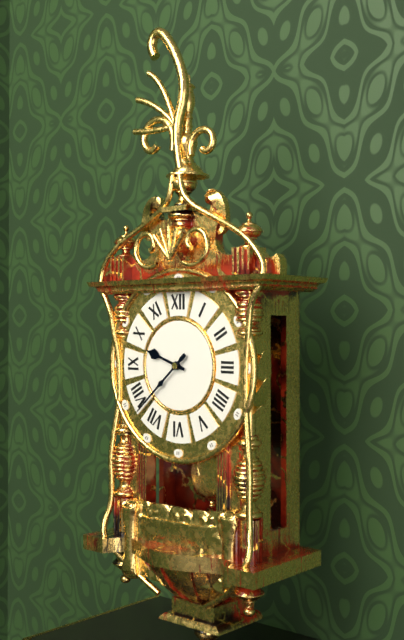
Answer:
9,38
